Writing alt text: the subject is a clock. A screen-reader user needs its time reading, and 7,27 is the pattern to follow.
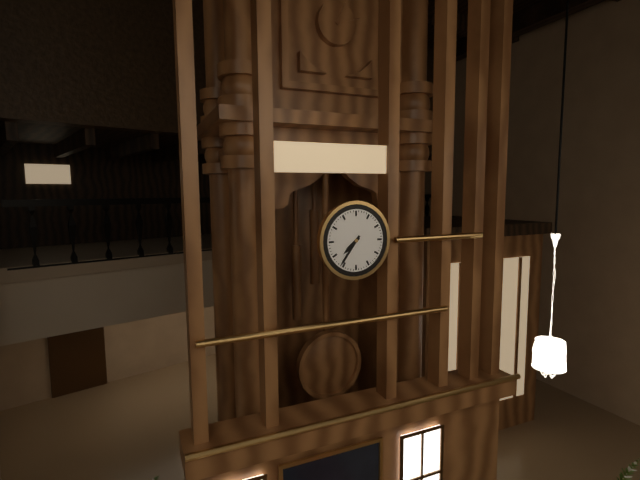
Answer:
7,36
